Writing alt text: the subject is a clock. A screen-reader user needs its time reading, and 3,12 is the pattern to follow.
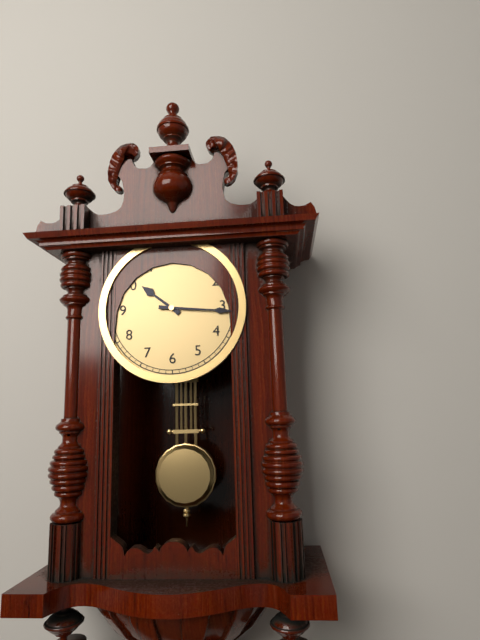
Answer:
10,16
